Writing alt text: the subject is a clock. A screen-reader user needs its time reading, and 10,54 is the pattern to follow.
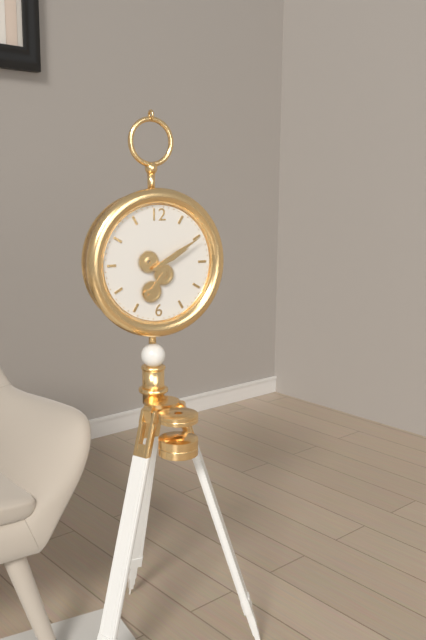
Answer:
2,10
